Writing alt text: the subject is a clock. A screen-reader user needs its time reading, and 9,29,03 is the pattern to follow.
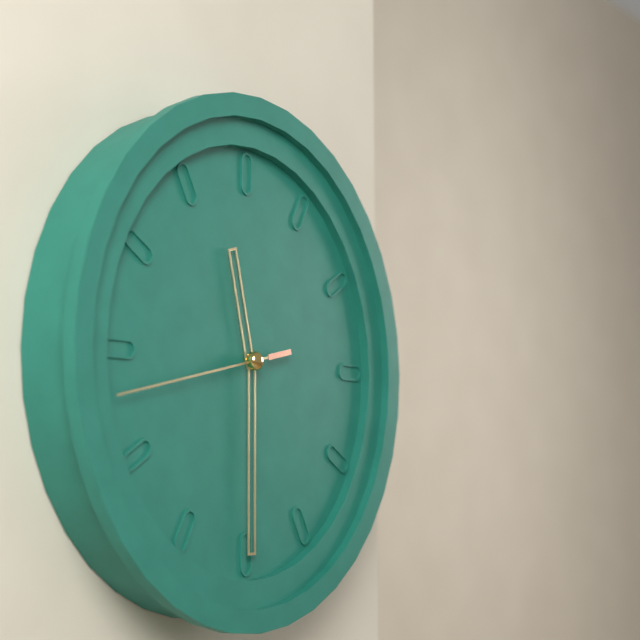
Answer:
11,30,43
